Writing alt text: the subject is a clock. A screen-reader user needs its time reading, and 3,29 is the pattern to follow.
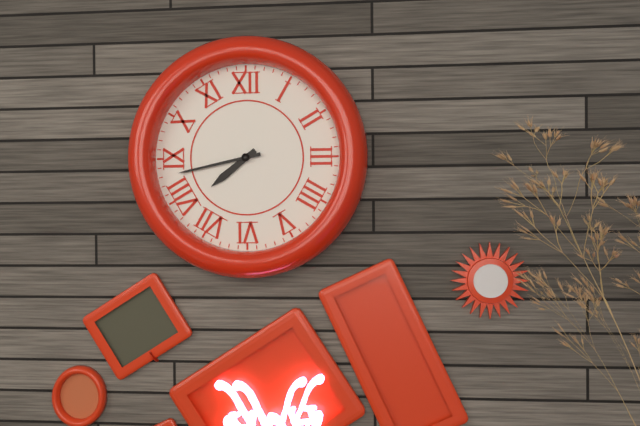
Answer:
7,43
